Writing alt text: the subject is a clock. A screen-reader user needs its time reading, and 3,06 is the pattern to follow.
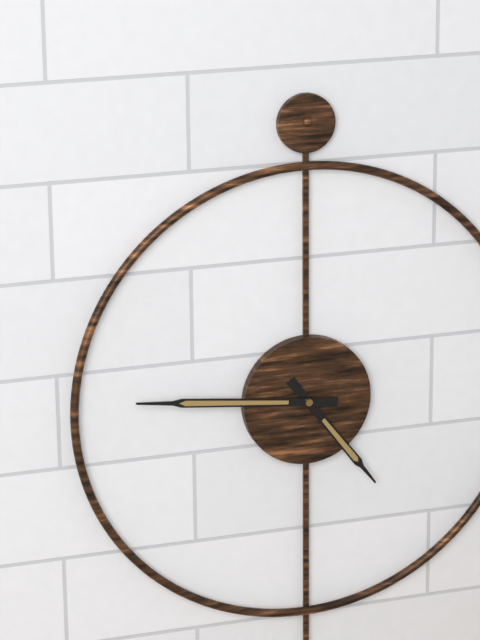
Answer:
4,46
